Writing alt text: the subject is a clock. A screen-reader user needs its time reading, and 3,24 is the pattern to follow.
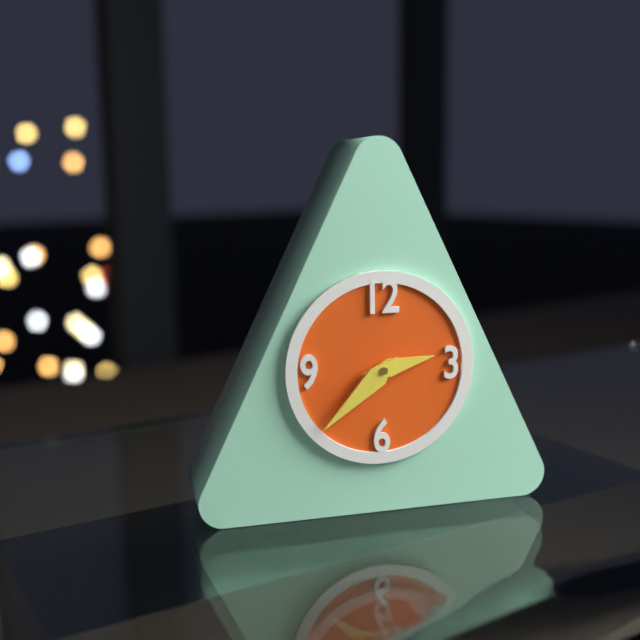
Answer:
2,38
